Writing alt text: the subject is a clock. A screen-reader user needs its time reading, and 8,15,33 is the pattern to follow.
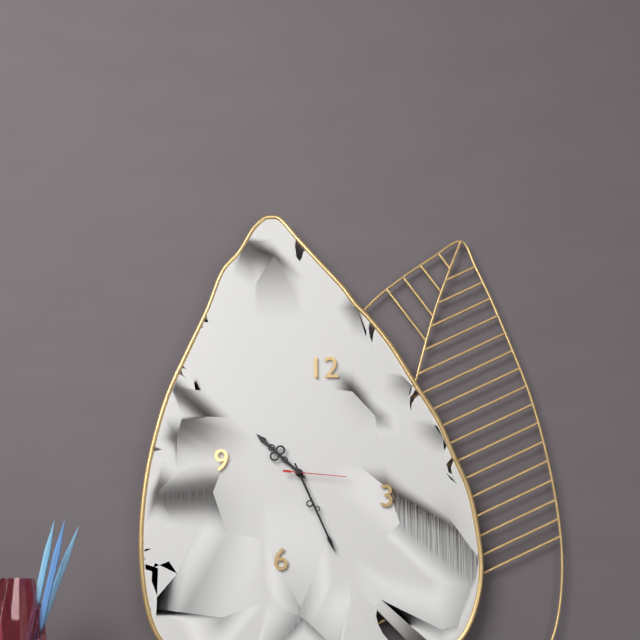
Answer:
10,26,16
